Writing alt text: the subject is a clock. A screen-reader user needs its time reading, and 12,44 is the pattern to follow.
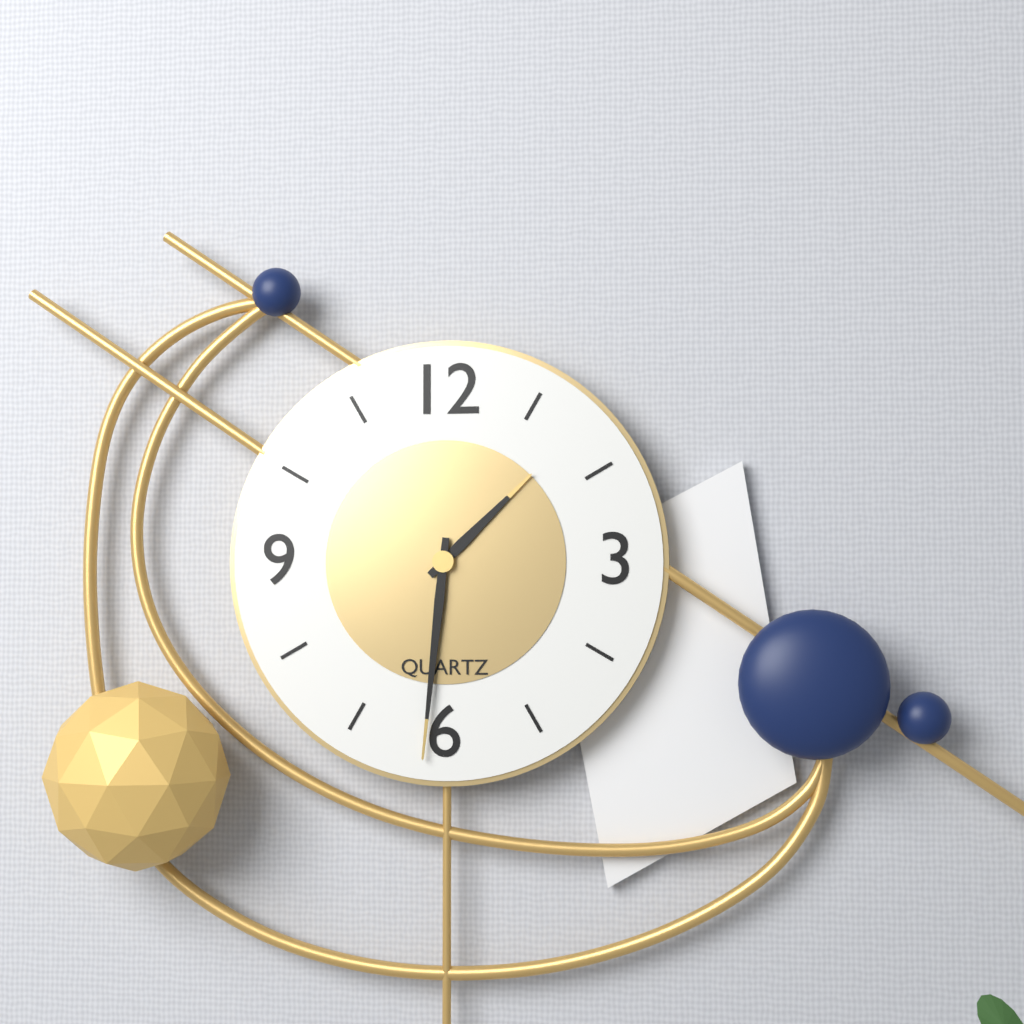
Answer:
1,31
